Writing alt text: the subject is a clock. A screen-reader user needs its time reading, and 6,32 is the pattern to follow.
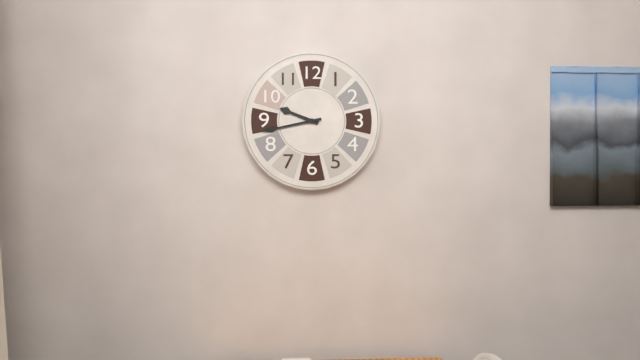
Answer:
9,43
